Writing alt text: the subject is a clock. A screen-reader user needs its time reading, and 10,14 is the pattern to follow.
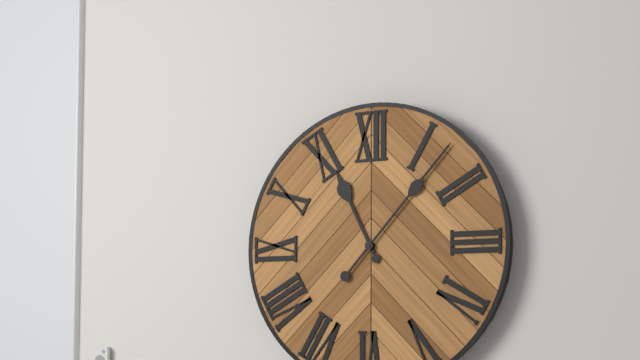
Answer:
11,07
